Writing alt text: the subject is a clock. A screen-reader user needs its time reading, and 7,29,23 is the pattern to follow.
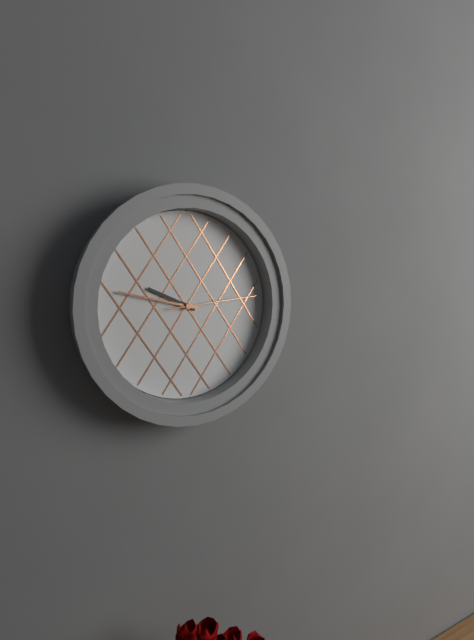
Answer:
9,47,14
